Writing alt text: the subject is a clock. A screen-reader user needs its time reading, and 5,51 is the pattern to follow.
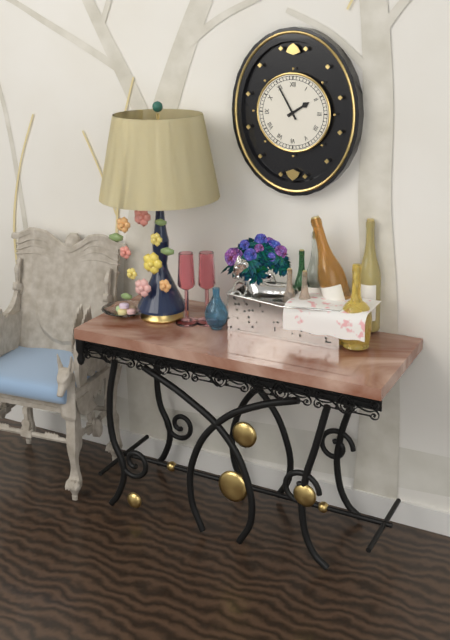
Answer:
1,55
